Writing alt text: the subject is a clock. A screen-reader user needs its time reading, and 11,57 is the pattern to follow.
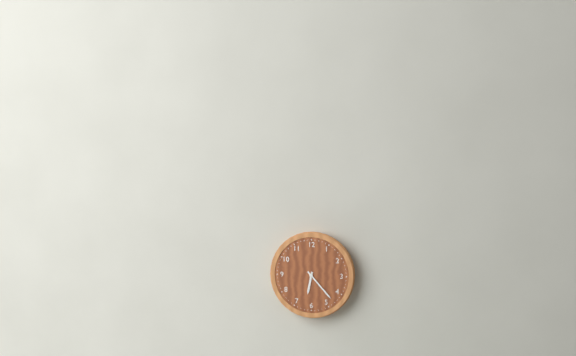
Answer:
6,23
